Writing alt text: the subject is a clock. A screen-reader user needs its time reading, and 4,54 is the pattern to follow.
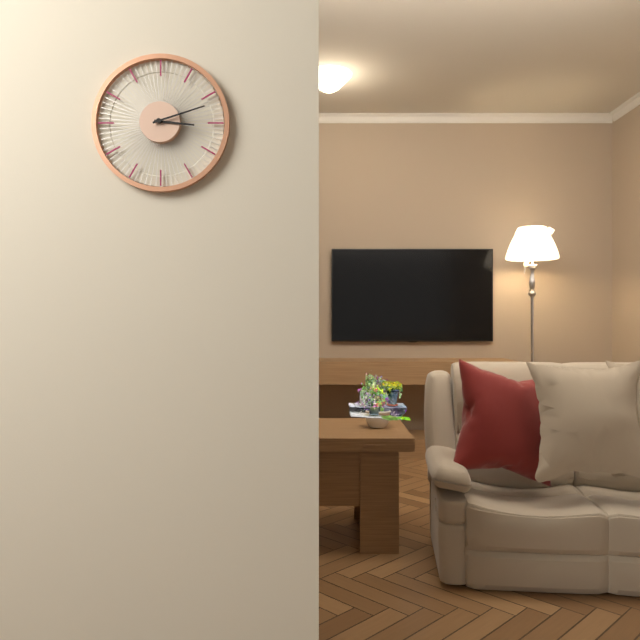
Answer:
3,12
